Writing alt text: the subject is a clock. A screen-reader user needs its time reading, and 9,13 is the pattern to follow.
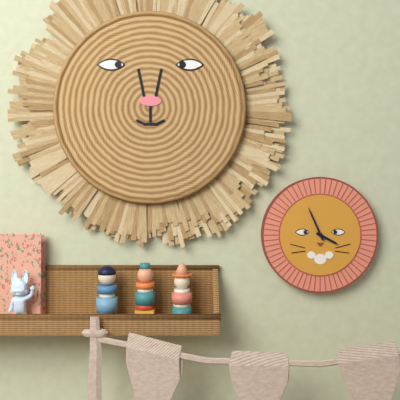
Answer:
3,56
